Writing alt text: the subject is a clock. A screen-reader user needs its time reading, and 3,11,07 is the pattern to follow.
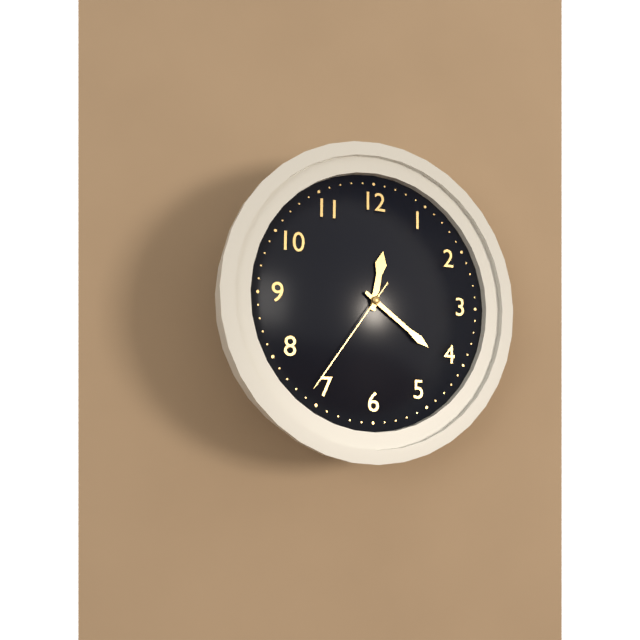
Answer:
12,21,36
